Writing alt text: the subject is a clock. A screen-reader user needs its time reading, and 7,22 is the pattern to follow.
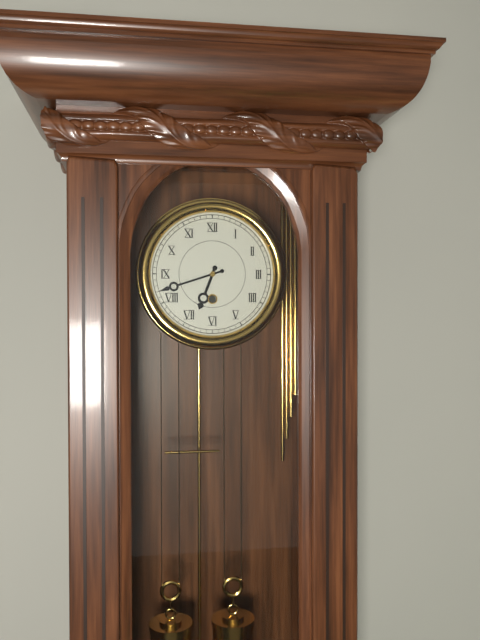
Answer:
6,42
